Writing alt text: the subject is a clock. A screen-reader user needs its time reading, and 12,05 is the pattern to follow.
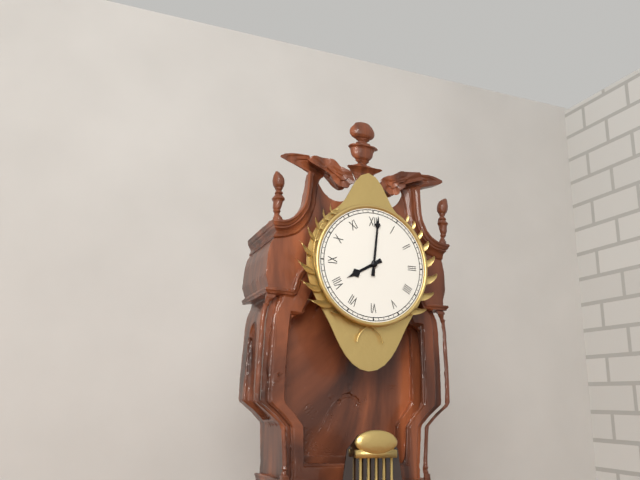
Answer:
8,01
